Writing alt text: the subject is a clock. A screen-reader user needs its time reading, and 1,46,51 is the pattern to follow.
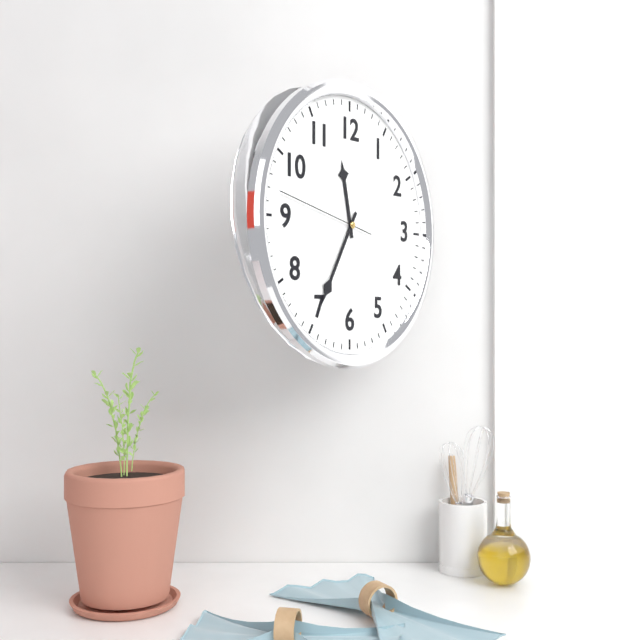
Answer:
11,35,47
